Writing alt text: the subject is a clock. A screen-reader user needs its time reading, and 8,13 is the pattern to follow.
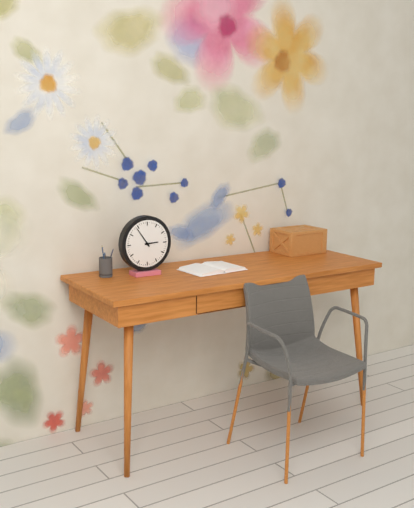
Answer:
2,54
